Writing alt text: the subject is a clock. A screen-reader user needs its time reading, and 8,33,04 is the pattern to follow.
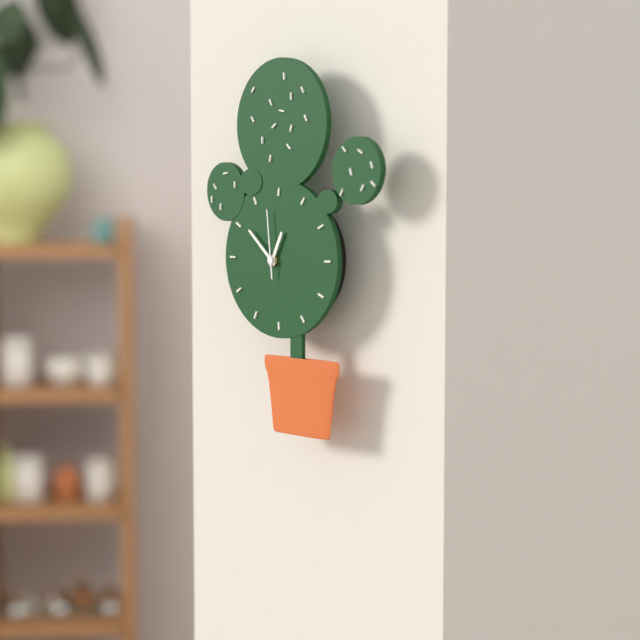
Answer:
12,52,59
